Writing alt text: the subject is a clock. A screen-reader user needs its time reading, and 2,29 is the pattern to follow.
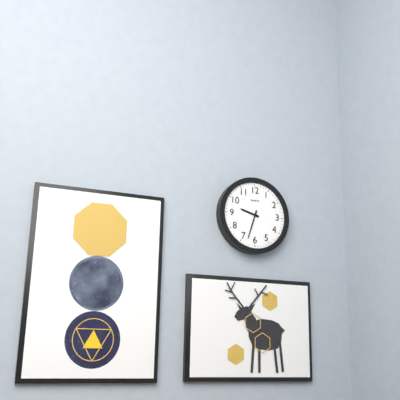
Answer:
9,33
